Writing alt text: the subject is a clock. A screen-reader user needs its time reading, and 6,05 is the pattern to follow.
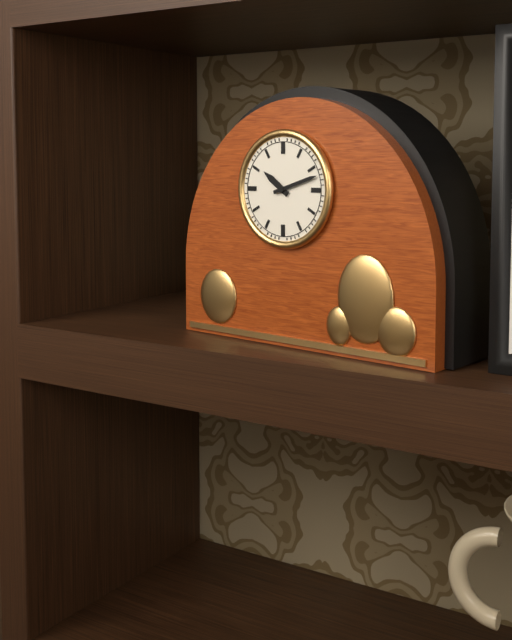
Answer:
10,12
